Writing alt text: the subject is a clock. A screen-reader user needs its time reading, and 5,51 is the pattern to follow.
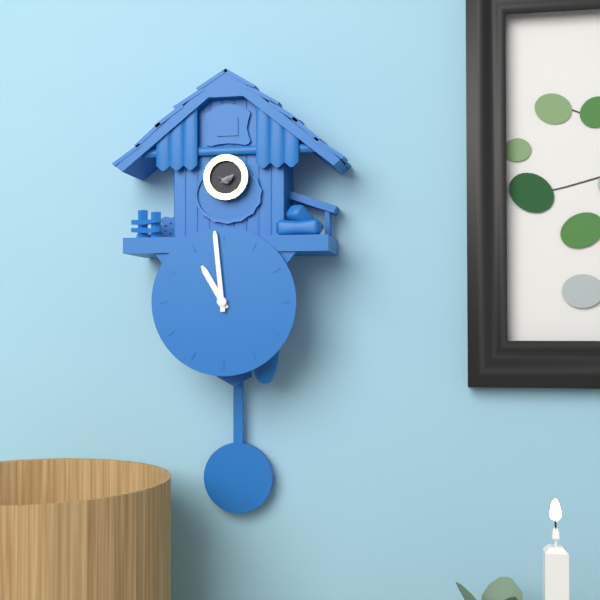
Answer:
10,59
